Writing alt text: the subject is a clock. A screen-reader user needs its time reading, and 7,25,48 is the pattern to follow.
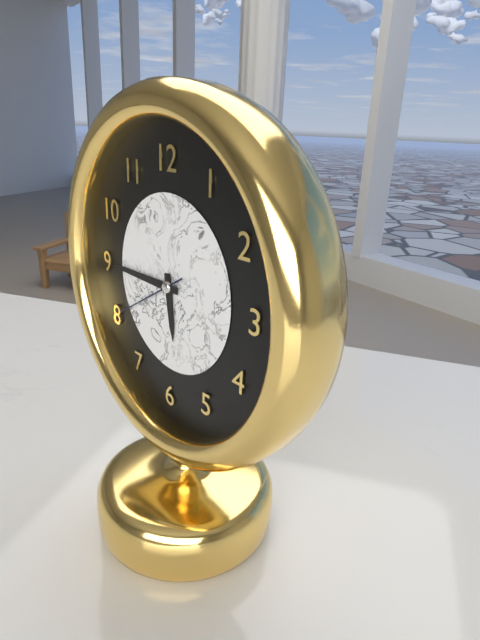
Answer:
5,45,40
